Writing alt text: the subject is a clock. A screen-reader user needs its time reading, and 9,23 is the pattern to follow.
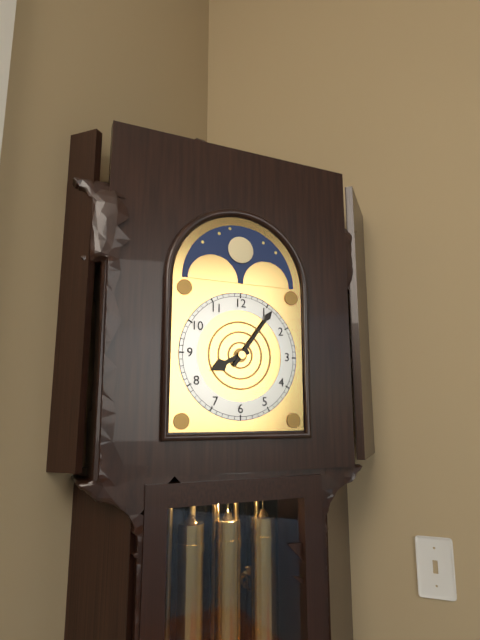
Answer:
8,06
